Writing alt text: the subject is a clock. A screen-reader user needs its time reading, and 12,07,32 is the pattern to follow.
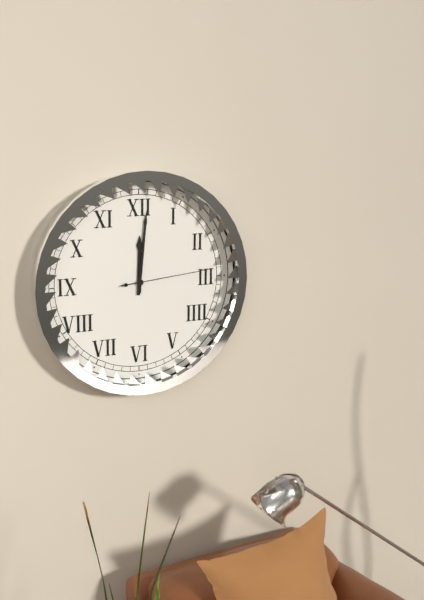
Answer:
12,01,14
